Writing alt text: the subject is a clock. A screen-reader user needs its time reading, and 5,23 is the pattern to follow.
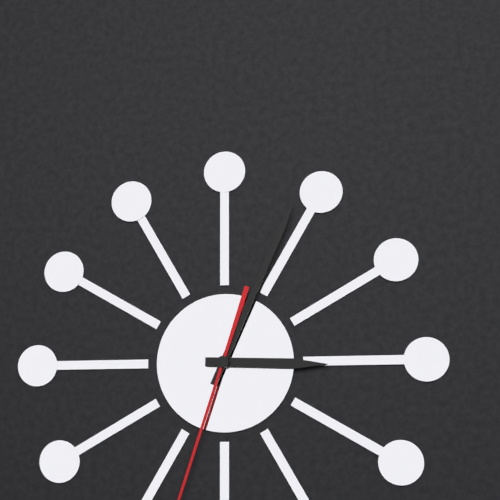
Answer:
3,04
